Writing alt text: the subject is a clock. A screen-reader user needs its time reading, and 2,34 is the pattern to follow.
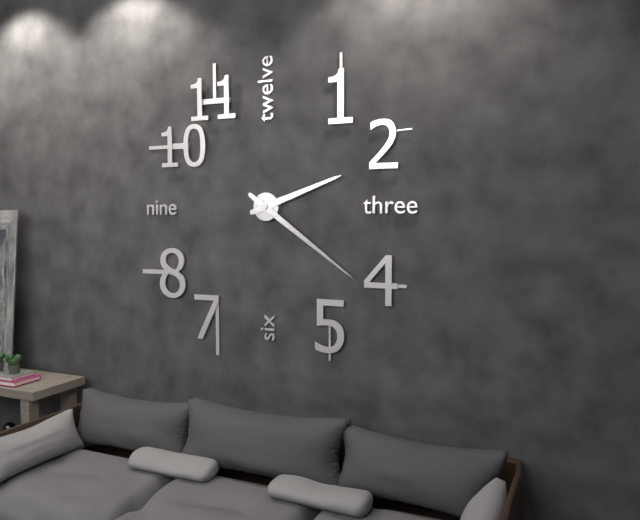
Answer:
2,21
